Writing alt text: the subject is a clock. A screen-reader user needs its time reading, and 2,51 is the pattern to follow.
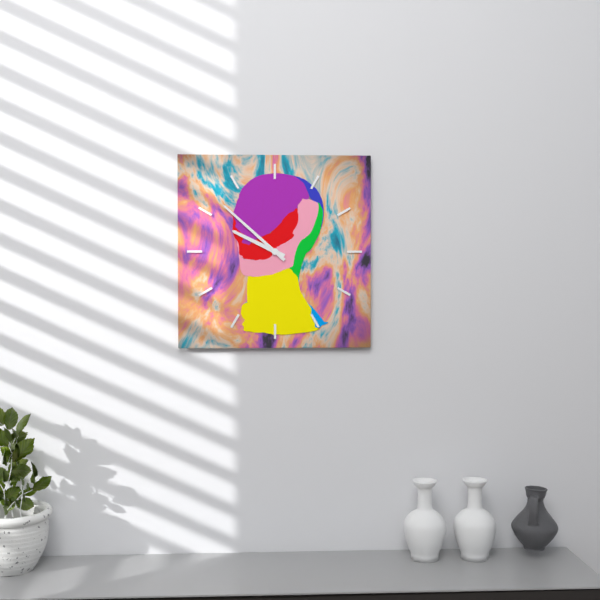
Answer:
9,52
